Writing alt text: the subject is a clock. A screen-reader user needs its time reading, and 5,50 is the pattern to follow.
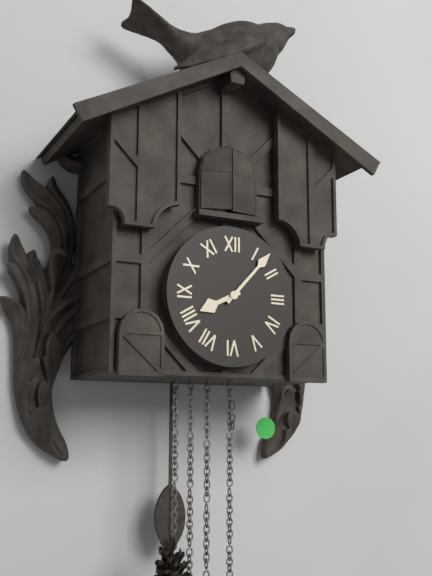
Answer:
8,07
